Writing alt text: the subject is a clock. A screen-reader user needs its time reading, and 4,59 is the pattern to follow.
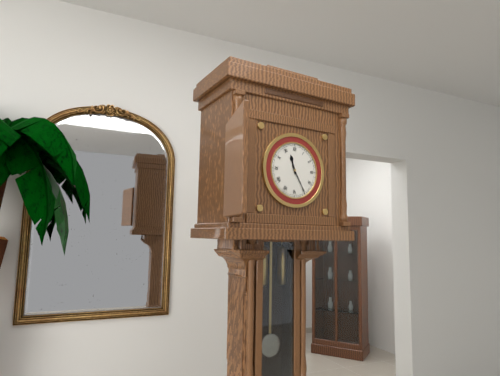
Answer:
11,25
